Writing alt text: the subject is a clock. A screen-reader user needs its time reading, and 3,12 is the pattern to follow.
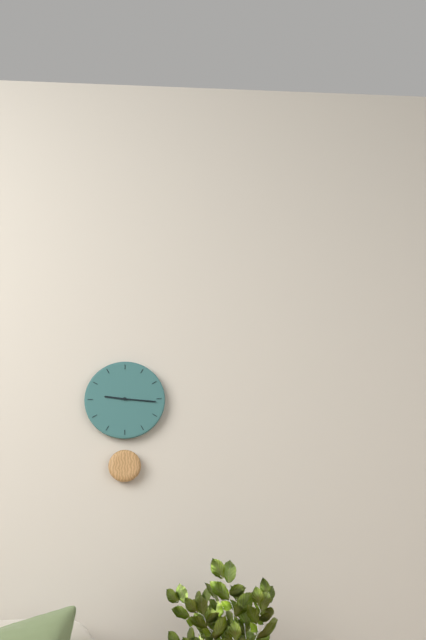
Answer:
9,16
